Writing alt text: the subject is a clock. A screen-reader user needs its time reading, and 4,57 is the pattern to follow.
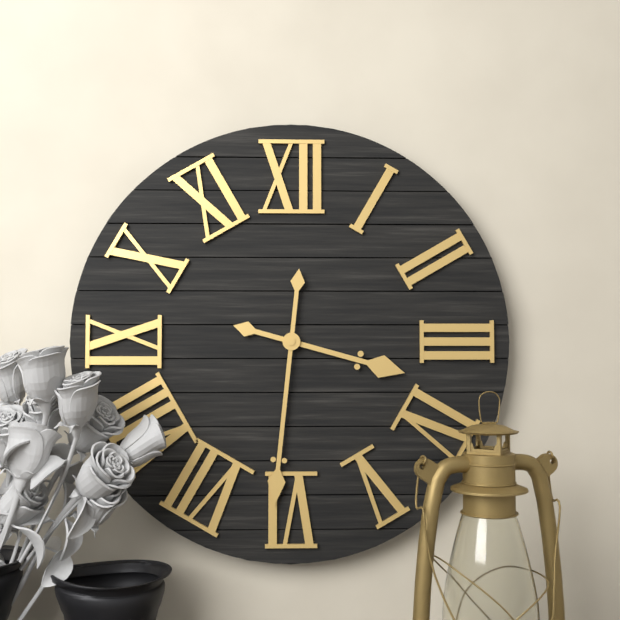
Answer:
3,31
